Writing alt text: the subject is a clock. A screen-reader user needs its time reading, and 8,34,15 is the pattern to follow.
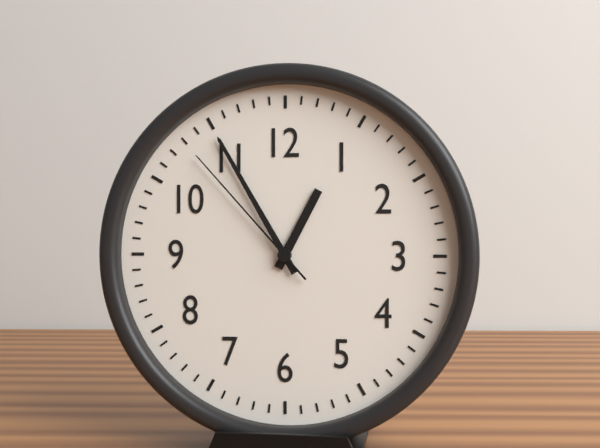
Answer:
12,55,53
